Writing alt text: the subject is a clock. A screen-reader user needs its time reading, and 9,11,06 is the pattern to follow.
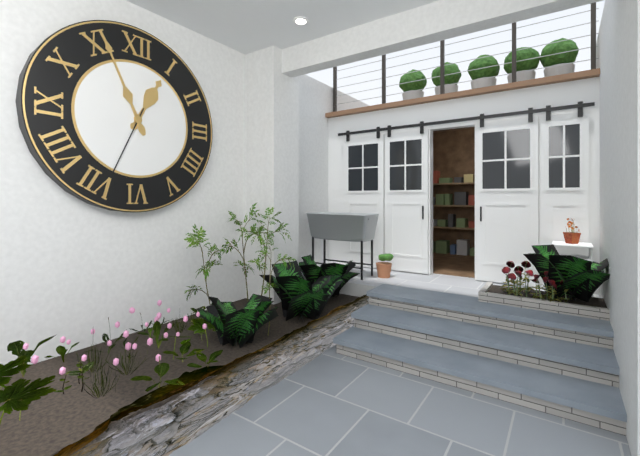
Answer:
12,56,34
